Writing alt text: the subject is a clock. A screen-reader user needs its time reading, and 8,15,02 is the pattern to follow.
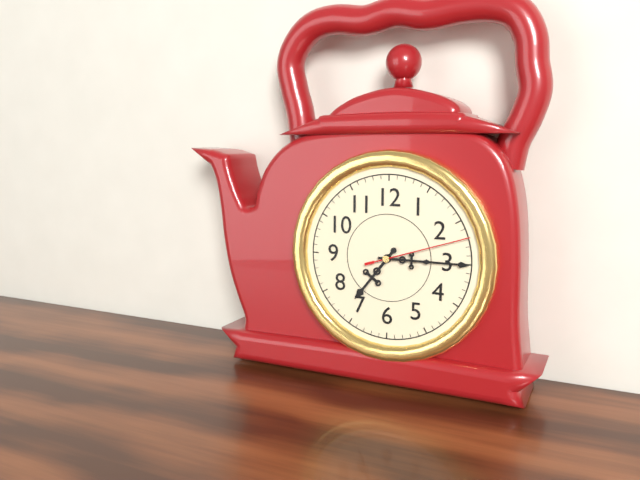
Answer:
7,15,12
